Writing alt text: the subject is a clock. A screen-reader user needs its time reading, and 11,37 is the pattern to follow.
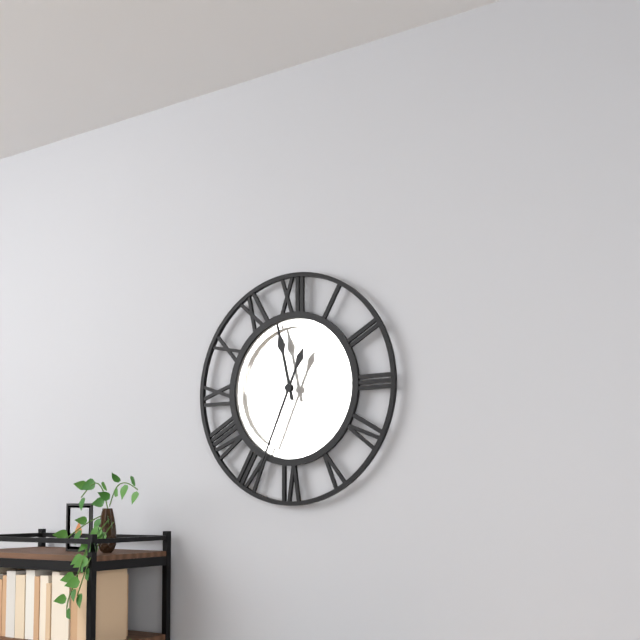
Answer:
11,34
